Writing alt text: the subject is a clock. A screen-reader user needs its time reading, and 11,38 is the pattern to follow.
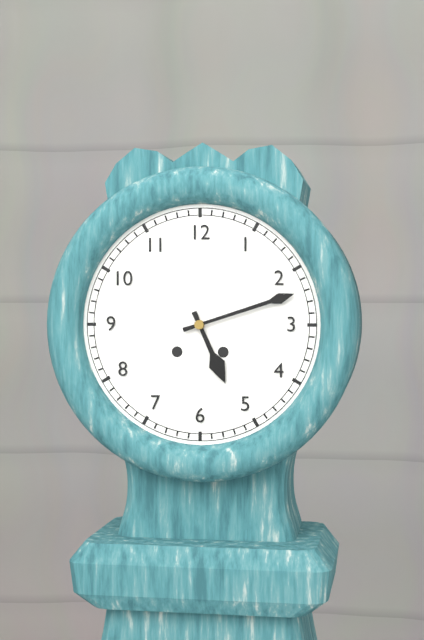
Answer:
5,12
